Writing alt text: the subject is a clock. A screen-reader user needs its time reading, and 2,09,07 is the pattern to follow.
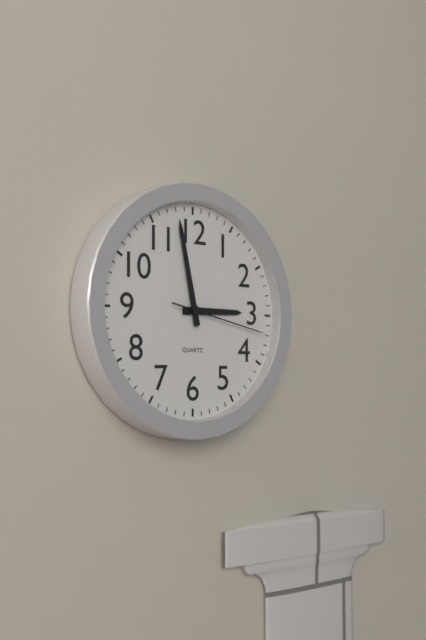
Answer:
2,58,17
